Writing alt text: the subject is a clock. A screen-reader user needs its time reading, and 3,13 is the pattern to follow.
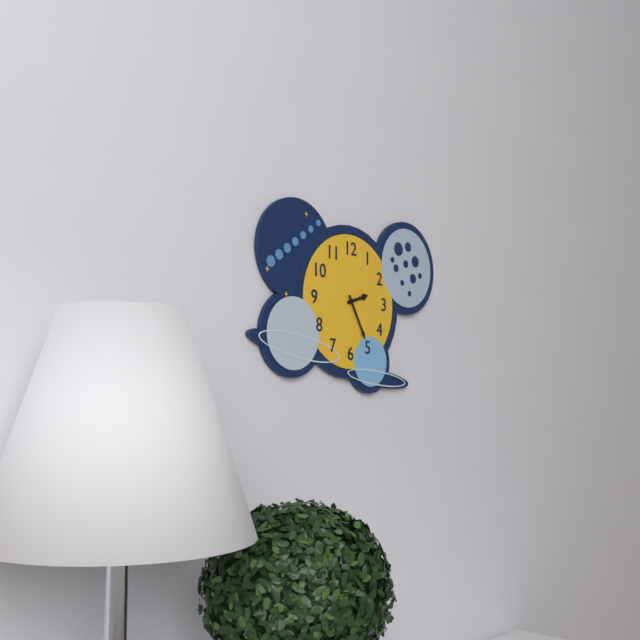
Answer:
2,25
